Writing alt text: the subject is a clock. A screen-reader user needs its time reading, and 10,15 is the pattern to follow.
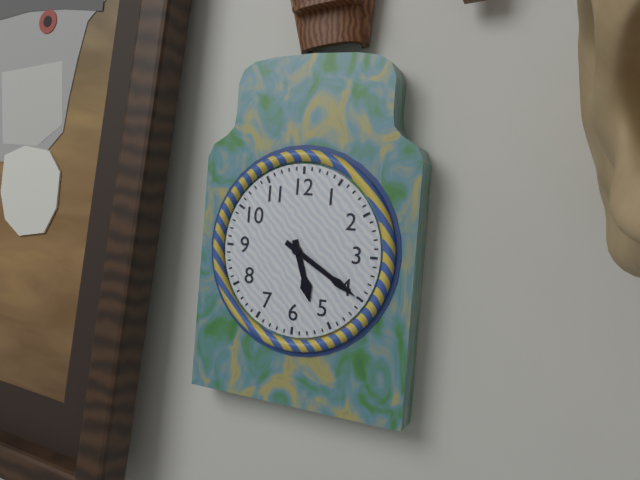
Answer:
5,20
